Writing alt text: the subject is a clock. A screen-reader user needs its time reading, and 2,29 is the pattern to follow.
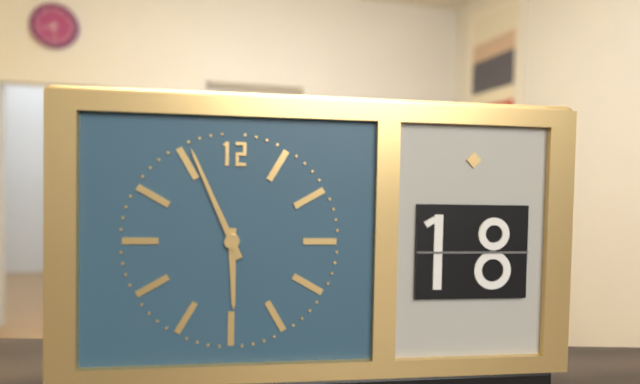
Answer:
5,56
